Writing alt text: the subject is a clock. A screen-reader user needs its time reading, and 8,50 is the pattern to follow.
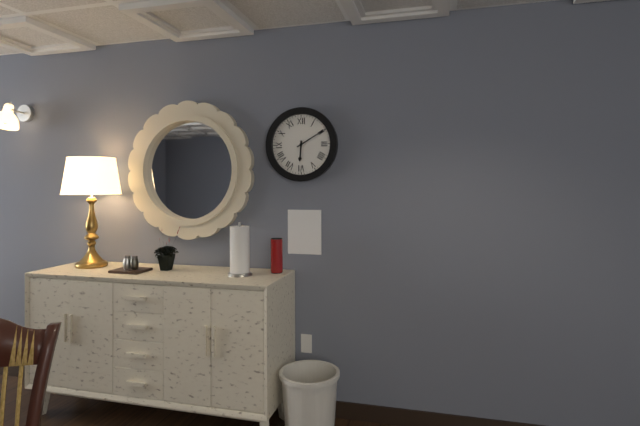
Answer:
6,10
